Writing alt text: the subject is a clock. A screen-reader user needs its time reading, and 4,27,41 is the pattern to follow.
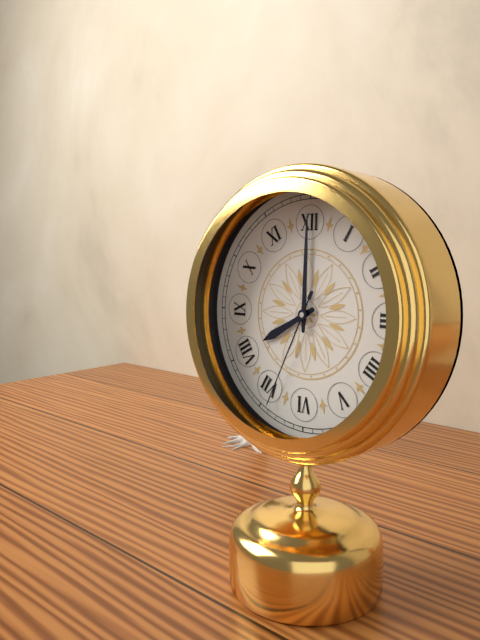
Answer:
8,00,34
